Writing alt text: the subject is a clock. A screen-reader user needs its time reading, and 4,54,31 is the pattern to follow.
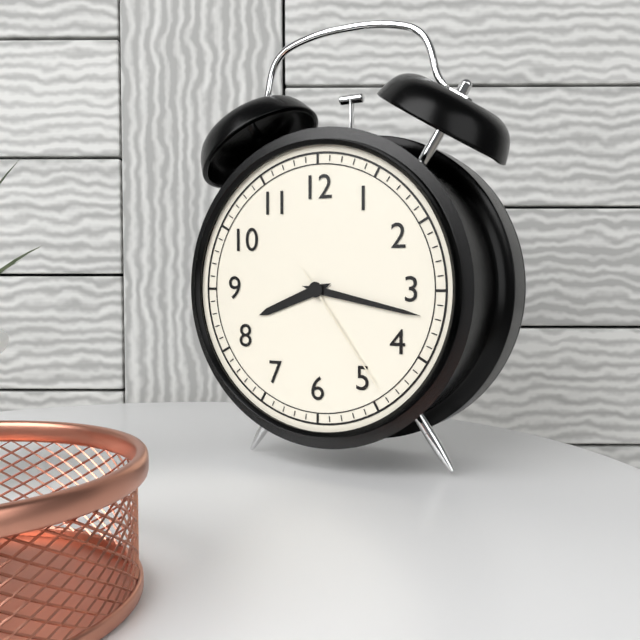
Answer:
8,17,24
